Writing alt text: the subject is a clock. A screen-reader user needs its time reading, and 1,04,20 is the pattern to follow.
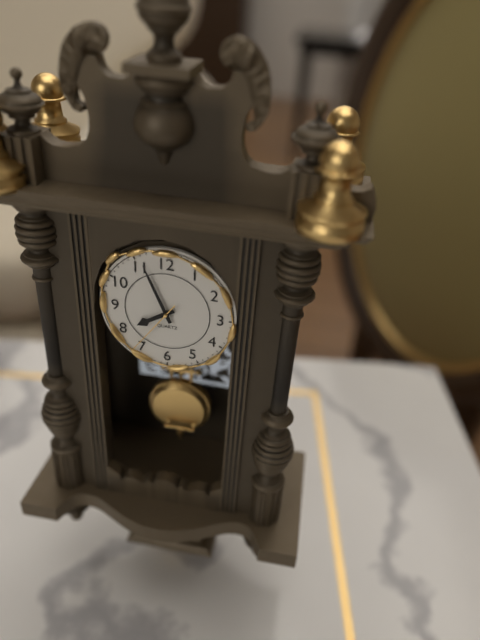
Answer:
7,56,36
